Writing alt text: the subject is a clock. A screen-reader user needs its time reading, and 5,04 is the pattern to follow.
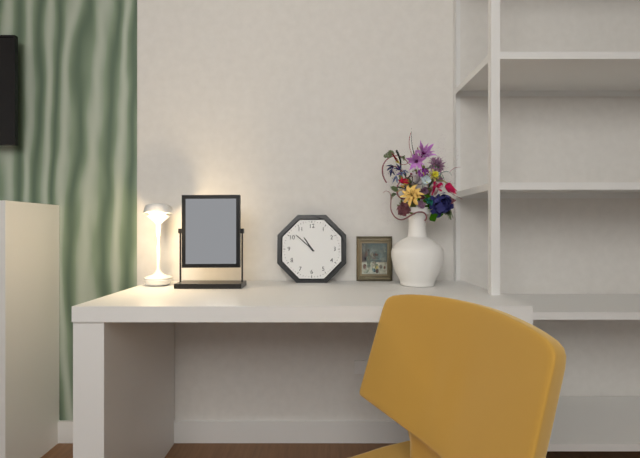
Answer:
10,52
